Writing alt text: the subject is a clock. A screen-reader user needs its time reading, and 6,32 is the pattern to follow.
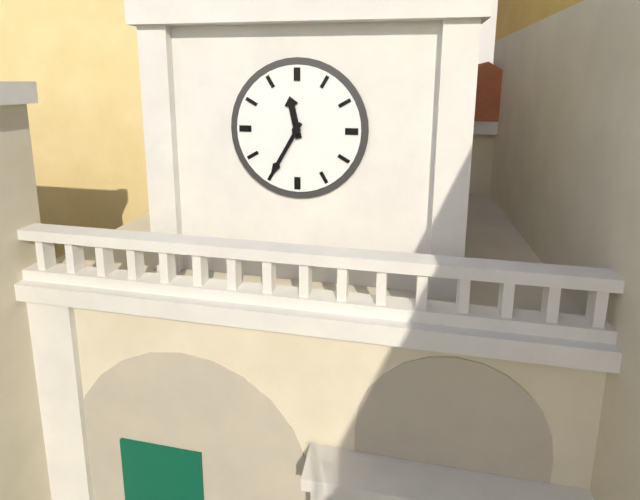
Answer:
11,35
